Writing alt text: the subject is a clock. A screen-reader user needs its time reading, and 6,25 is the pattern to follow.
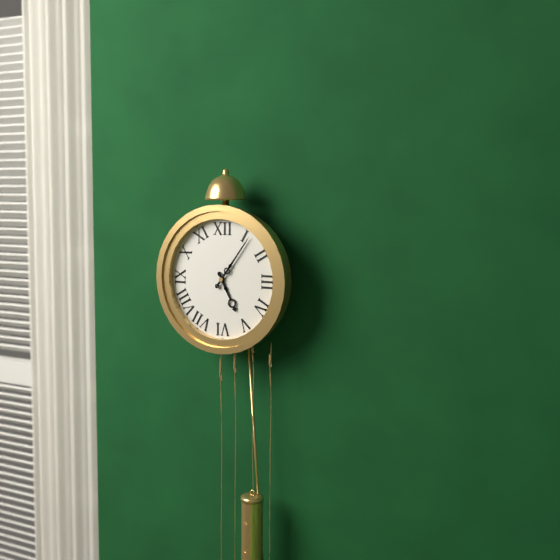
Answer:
5,06
